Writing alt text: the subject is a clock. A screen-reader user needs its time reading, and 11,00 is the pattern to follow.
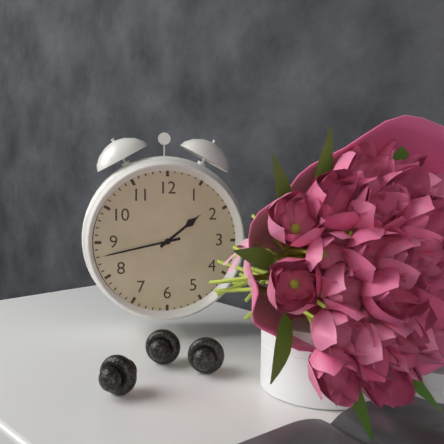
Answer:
1,43
